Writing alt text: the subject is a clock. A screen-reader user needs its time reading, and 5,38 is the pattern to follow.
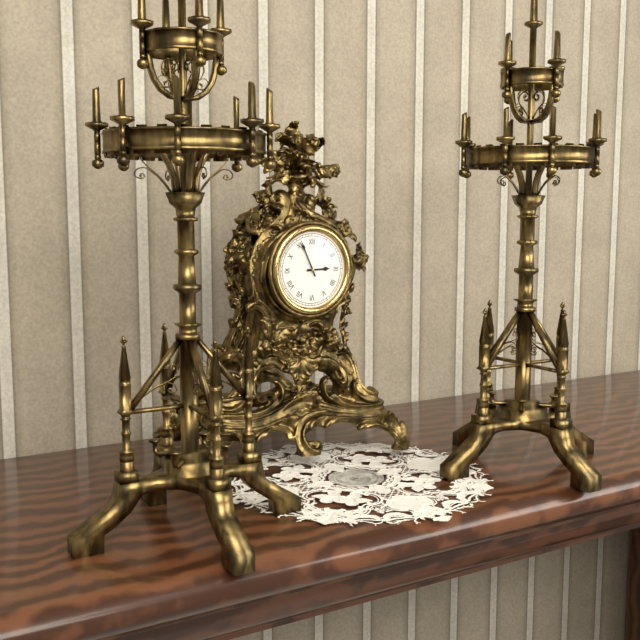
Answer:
2,56
